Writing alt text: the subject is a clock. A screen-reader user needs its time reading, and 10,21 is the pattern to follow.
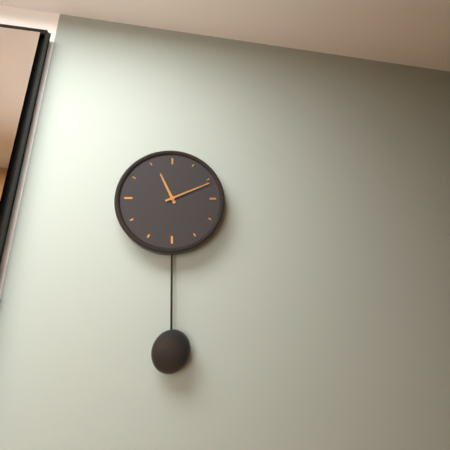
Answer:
11,11
